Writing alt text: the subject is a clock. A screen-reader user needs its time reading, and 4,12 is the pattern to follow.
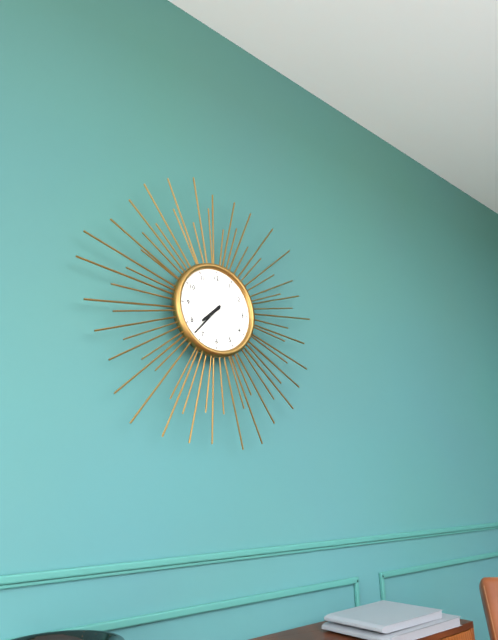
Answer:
7,37
